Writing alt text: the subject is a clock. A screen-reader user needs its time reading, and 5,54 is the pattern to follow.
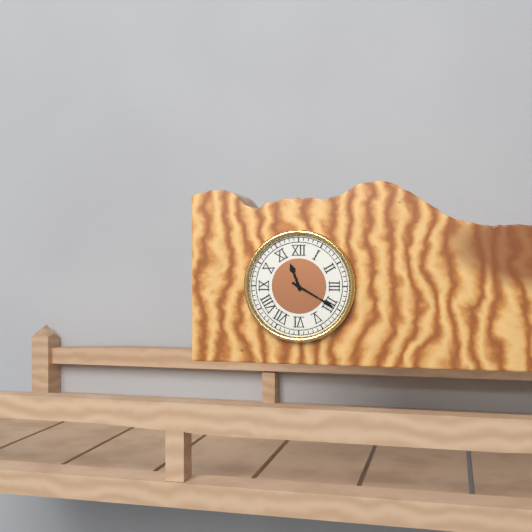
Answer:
11,20
